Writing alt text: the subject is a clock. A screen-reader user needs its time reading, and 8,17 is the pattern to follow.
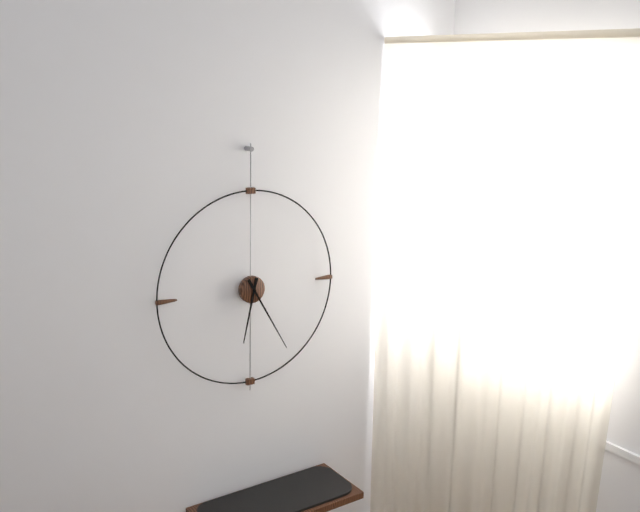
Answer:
6,25
